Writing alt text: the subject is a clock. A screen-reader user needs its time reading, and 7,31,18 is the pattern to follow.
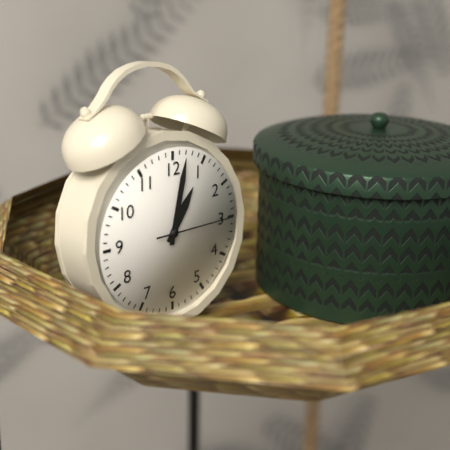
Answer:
1,02,15
